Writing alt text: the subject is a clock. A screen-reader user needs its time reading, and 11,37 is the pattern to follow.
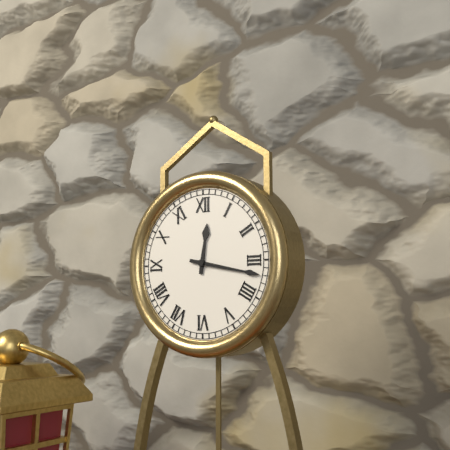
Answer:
12,17
